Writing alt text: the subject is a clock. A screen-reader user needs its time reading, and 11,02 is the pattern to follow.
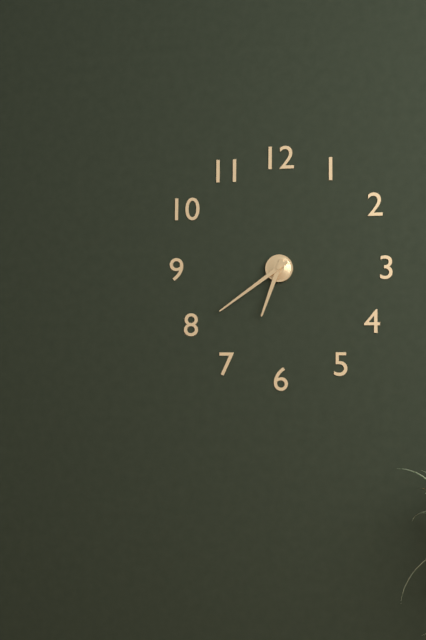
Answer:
6,39
